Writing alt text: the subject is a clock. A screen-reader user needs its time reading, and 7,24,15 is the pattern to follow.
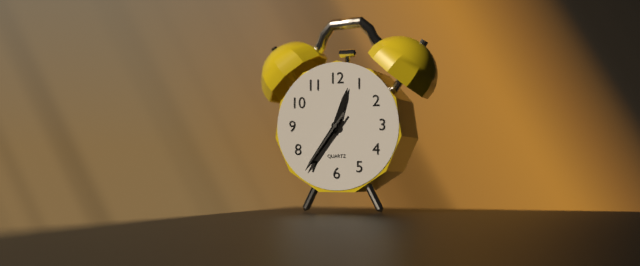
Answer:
12,36,36
